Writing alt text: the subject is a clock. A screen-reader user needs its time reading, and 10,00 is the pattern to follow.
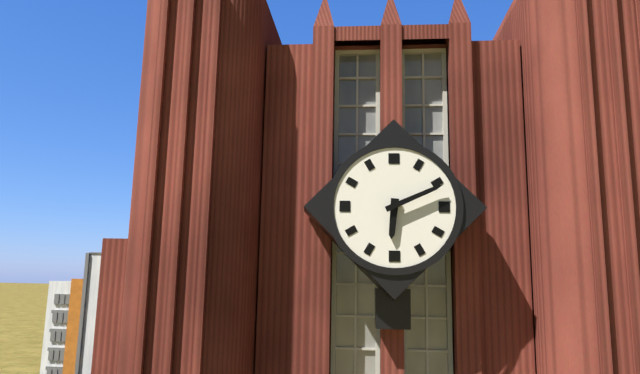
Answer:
6,11
